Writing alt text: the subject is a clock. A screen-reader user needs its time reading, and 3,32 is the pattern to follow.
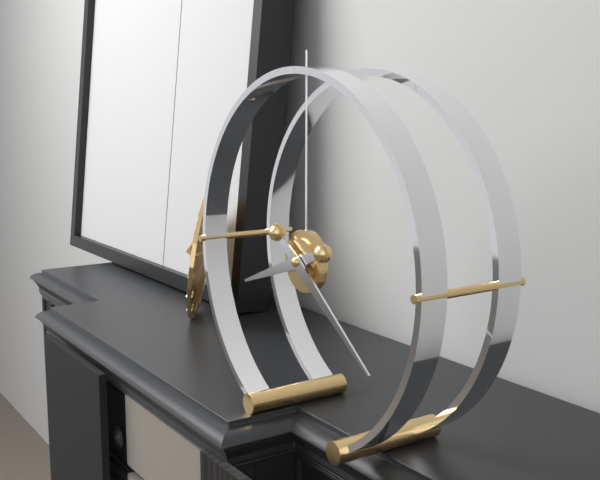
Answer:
8,21
